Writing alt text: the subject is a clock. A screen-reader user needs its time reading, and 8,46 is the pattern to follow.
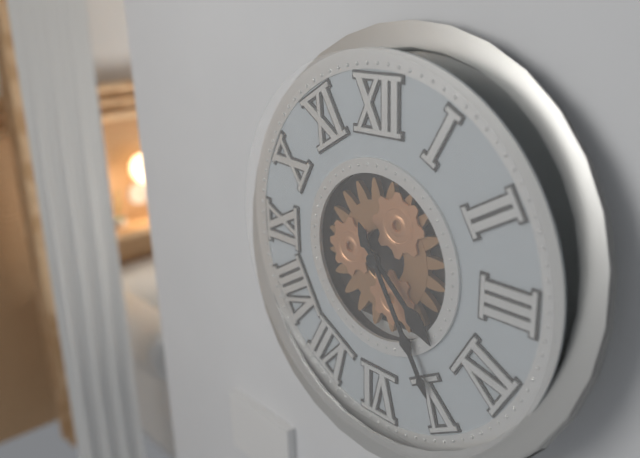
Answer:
4,25
